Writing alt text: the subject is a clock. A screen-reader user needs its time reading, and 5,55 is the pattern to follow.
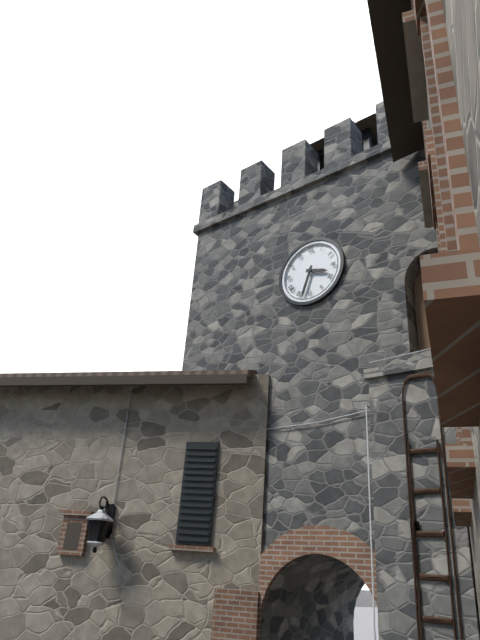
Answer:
3,33
